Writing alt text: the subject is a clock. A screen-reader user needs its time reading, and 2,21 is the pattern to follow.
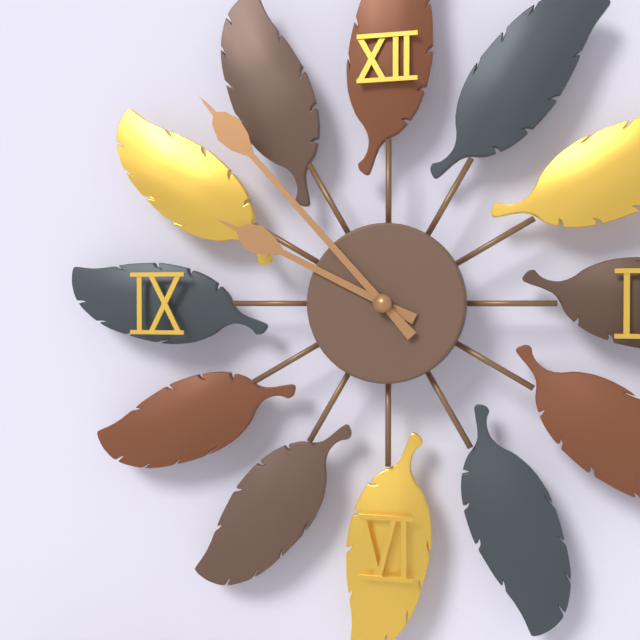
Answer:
9,53
